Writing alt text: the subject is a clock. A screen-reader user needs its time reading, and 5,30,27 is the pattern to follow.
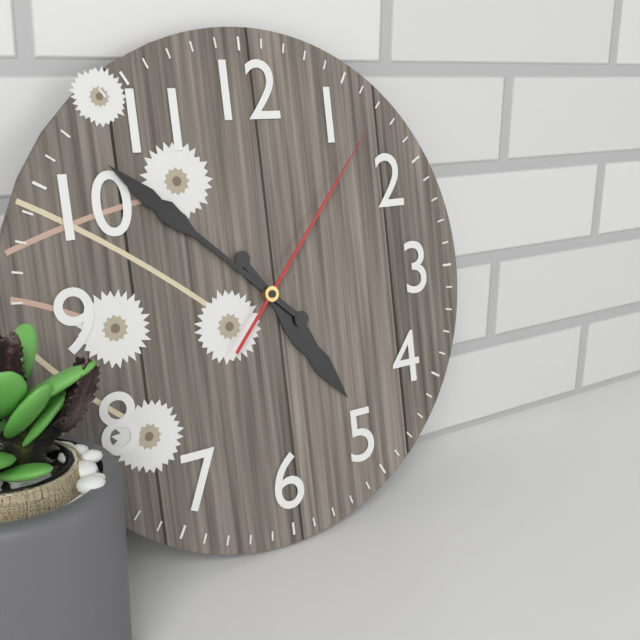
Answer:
4,52,07
